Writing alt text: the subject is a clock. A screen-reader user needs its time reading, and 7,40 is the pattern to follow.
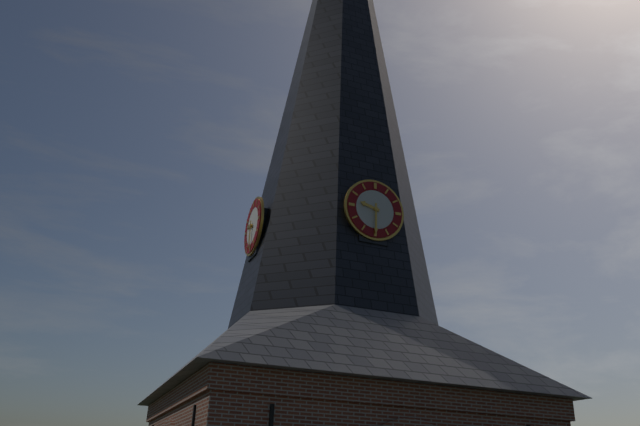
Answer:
9,30
